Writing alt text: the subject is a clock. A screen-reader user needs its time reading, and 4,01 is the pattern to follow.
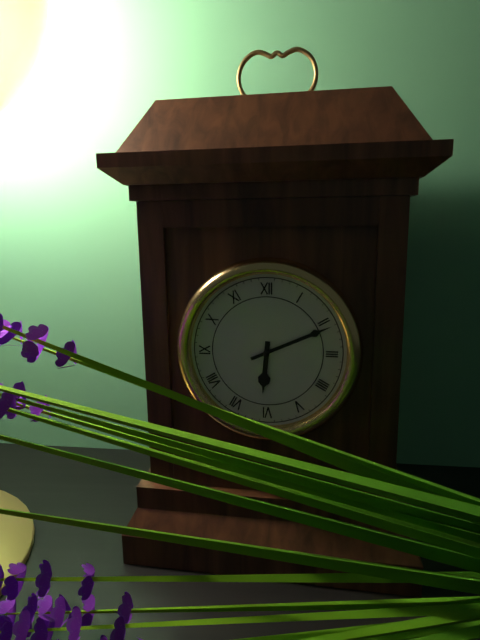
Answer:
6,11
